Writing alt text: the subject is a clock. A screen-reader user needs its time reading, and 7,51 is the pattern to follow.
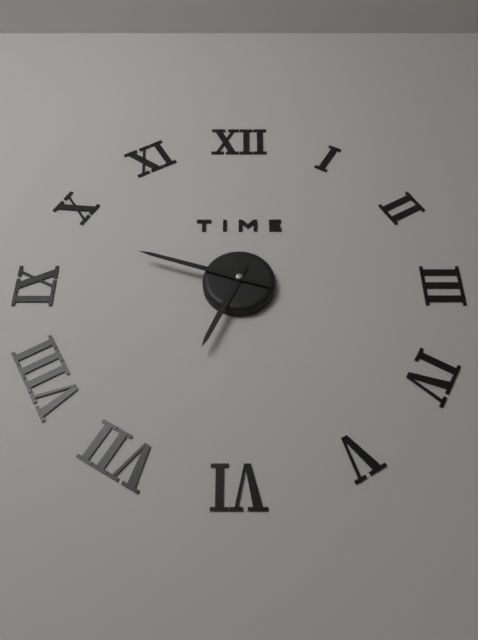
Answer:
6,48
